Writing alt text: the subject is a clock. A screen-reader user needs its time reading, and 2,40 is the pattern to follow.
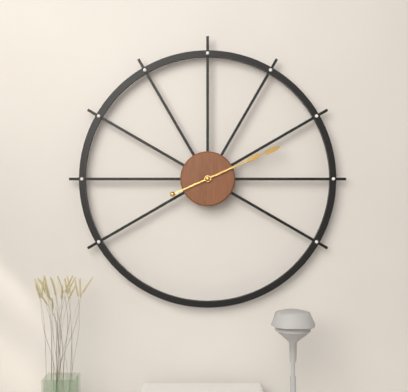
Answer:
2,11
